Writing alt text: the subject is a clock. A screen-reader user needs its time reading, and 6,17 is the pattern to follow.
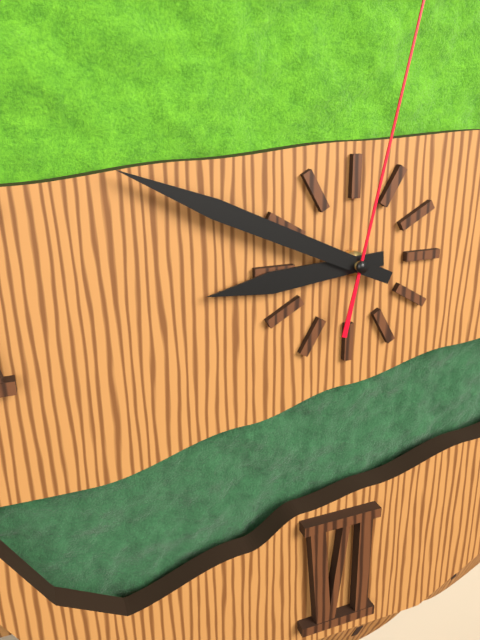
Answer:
8,49
